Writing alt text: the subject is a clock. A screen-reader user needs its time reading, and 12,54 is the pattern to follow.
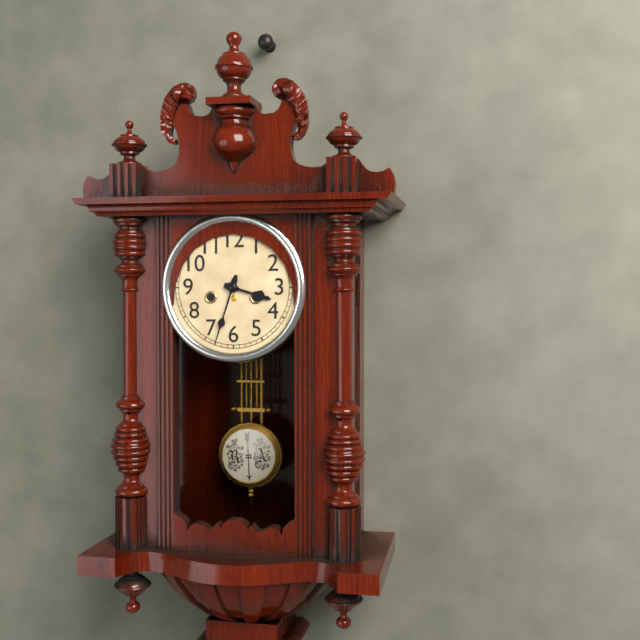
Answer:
3,33
